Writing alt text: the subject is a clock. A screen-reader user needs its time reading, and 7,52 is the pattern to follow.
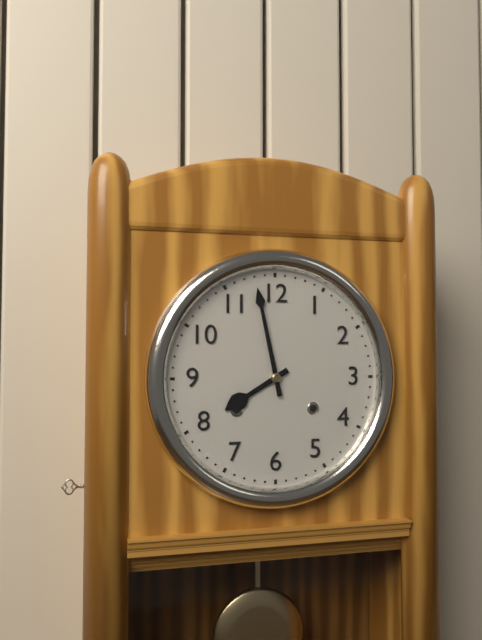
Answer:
7,58
